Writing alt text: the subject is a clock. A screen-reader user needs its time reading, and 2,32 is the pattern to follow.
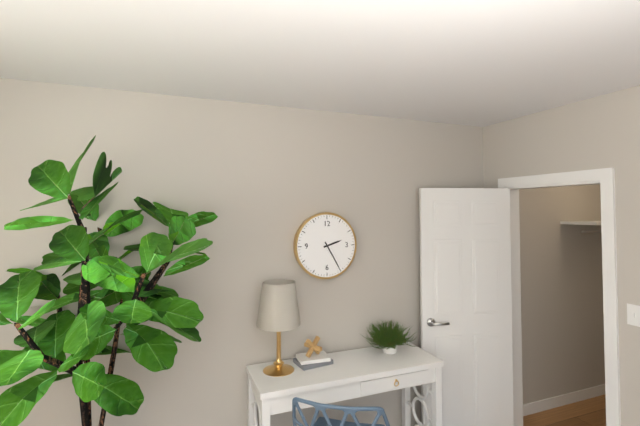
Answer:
2,25
